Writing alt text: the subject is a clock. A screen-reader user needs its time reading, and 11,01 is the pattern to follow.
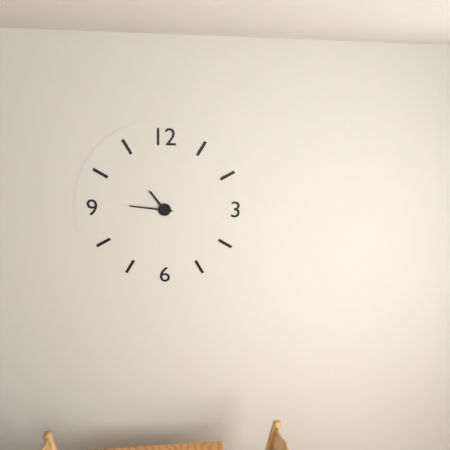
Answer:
10,46
